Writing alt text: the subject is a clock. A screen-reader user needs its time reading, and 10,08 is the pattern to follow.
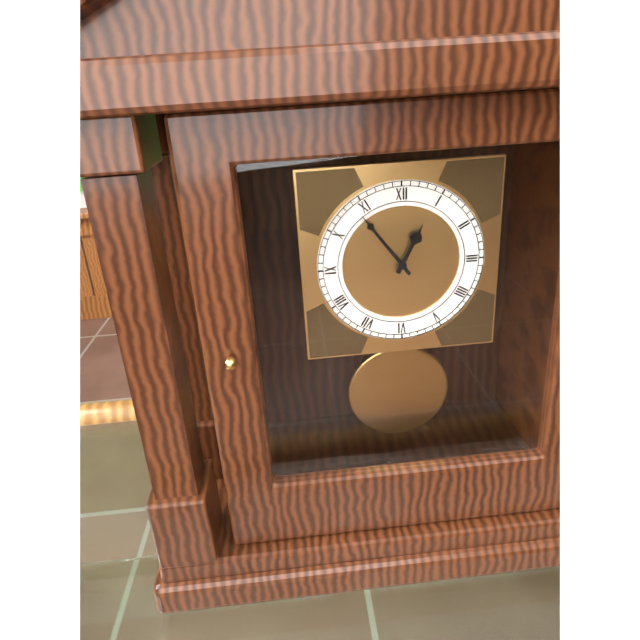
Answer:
12,54
